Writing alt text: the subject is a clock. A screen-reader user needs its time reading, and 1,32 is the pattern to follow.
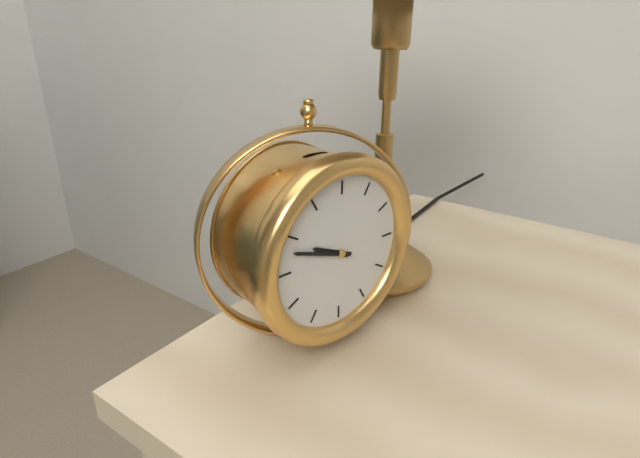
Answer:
9,48
